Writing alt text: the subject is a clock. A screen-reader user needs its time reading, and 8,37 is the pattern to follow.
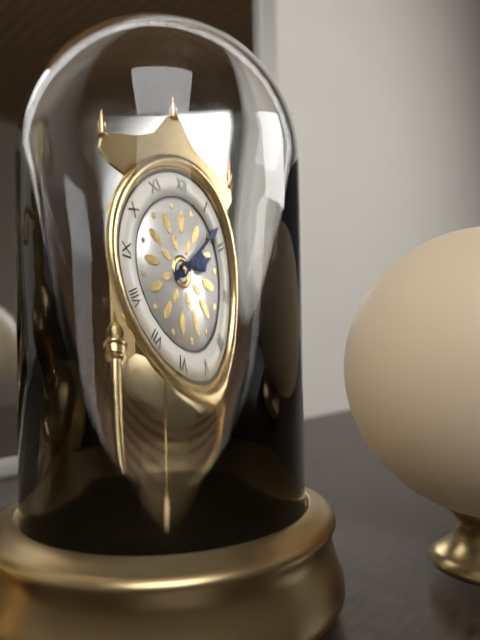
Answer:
2,08
